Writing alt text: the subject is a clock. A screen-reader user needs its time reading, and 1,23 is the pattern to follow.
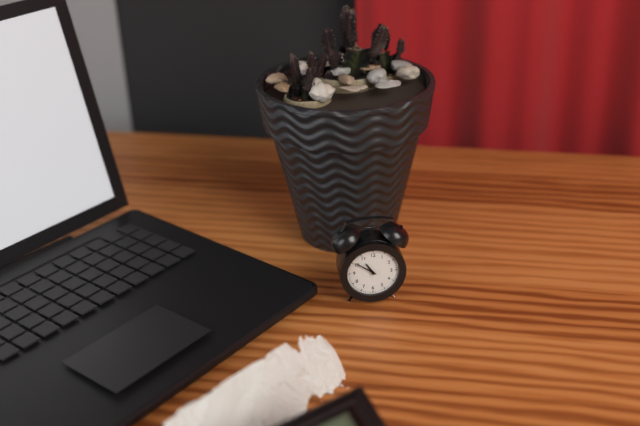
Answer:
10,51
